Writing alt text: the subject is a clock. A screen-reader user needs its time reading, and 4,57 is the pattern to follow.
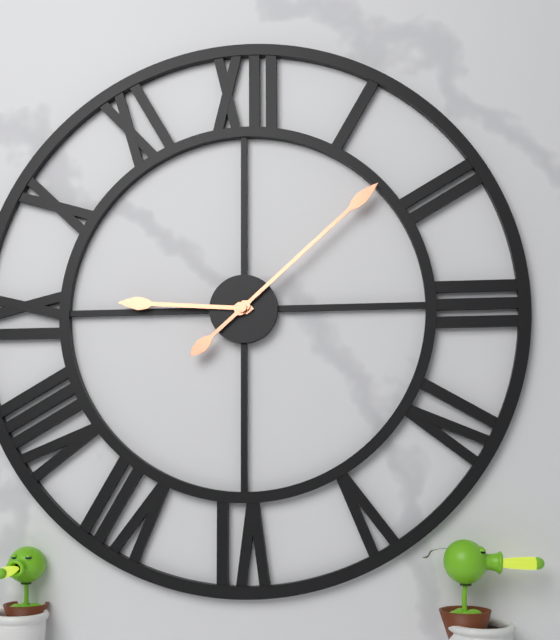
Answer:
9,08
